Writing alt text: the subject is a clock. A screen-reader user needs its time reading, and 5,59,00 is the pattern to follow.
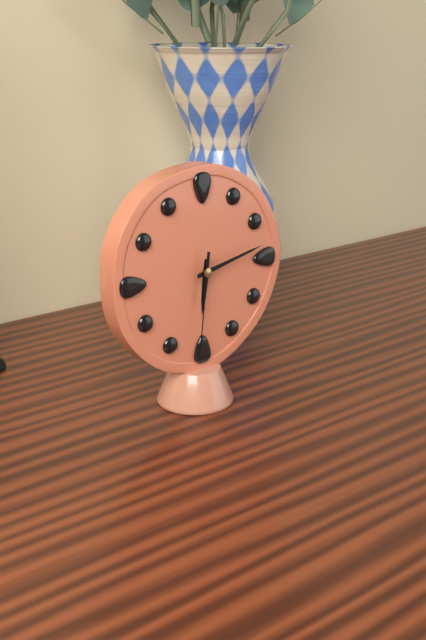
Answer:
6,13,31
